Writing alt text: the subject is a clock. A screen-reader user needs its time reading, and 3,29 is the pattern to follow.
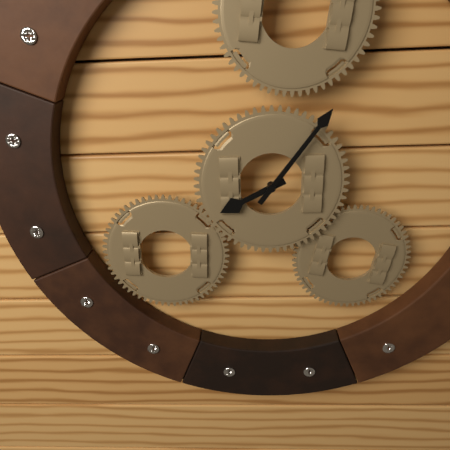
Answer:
8,06
